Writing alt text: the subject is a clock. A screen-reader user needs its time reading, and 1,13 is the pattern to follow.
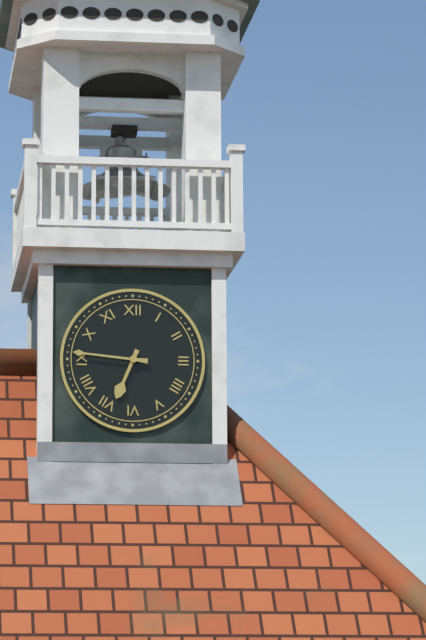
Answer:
6,46
